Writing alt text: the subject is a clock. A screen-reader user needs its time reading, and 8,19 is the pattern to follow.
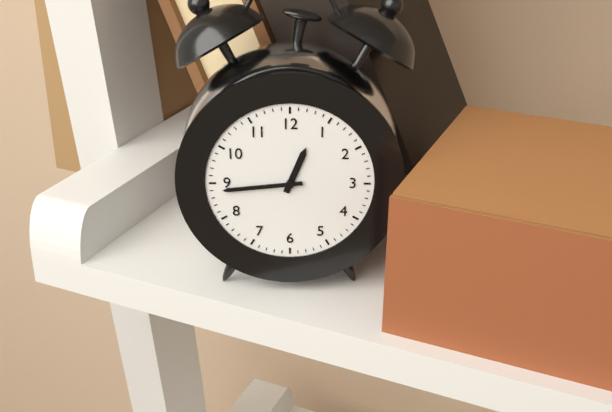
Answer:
12,44
